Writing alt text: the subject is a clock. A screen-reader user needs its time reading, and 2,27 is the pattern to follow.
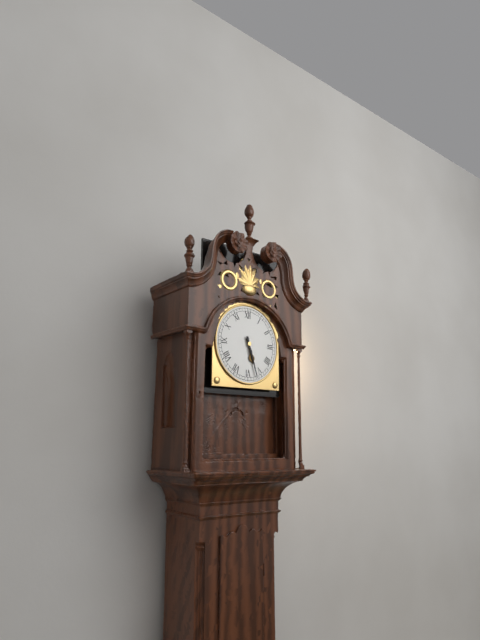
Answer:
5,27
